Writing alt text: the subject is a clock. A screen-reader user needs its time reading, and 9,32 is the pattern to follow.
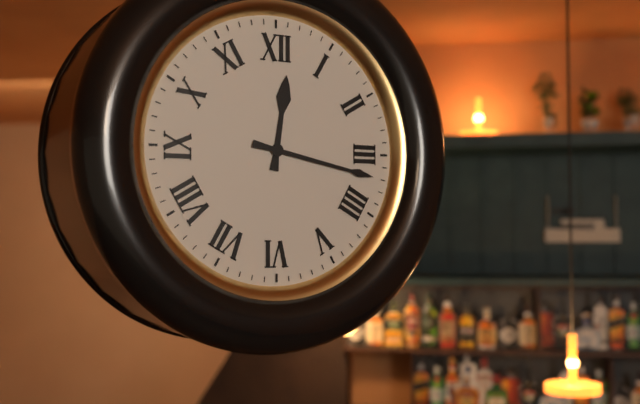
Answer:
12,17
